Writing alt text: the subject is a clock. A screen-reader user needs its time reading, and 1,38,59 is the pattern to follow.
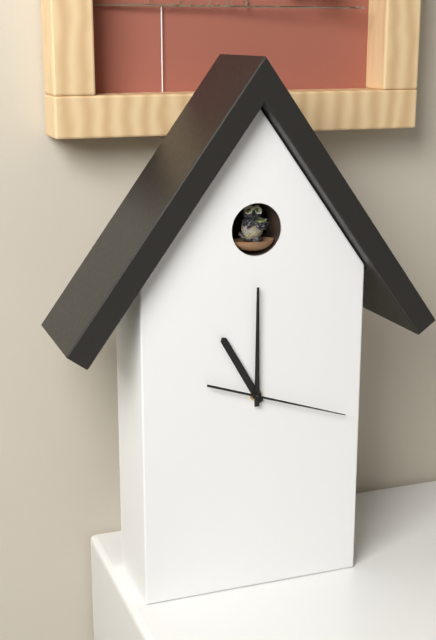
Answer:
11,00,18
